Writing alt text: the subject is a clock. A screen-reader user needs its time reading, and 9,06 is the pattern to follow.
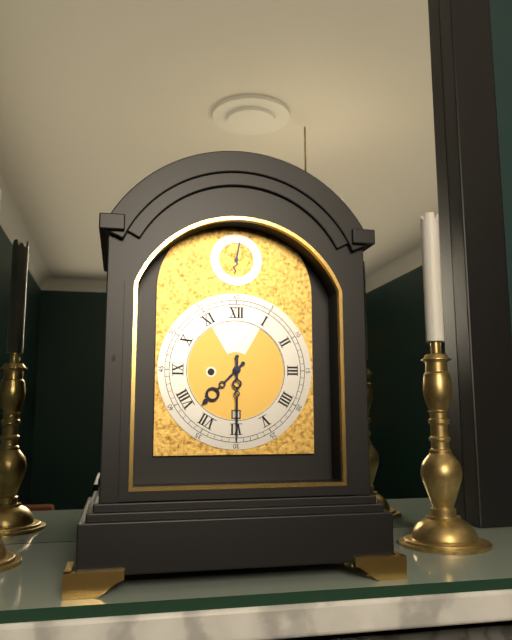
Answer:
7,30
